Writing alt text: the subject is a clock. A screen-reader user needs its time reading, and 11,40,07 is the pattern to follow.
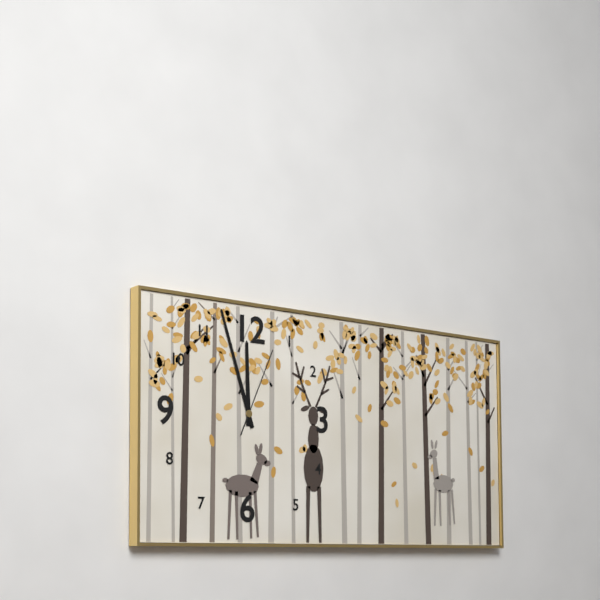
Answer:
11,57,04
